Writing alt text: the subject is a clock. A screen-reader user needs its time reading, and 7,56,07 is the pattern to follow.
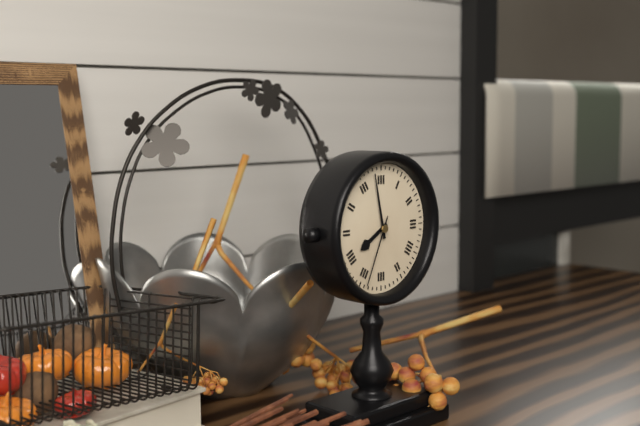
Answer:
7,58,34
